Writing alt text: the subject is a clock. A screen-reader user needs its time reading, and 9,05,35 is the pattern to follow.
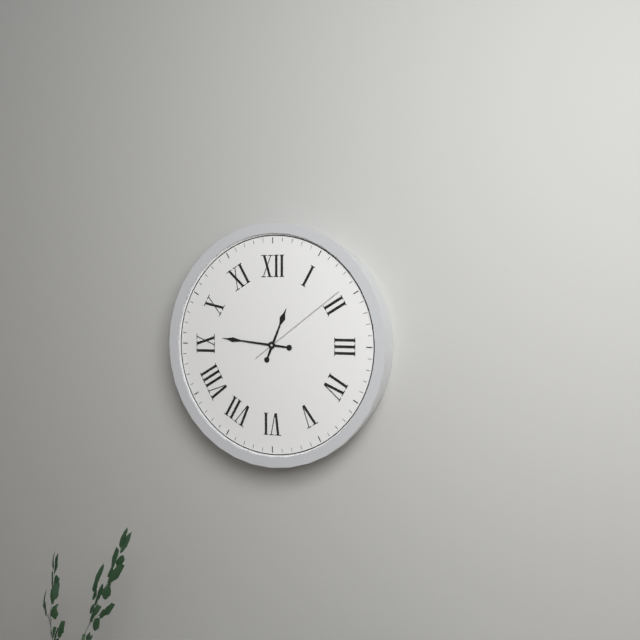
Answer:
12,46,09
